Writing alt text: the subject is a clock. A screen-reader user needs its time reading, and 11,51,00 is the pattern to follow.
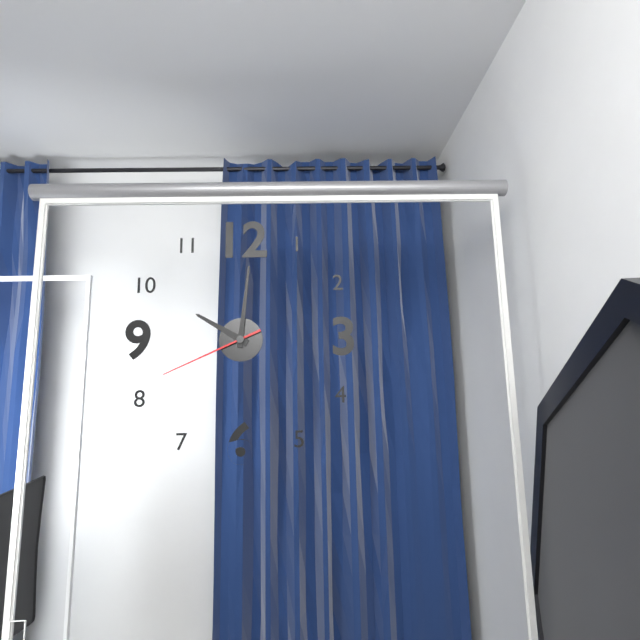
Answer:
10,01,41
